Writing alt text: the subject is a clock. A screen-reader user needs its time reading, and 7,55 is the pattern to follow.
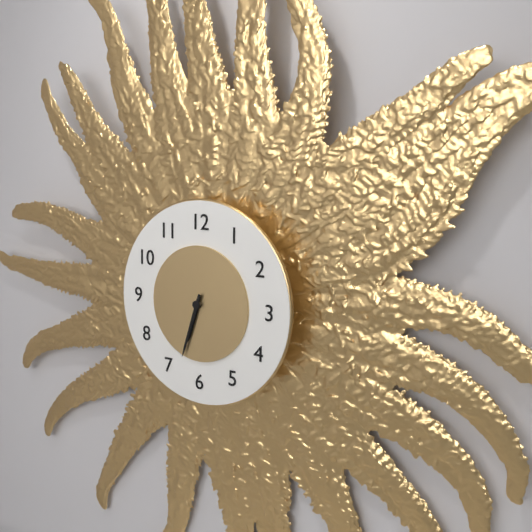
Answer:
6,33
